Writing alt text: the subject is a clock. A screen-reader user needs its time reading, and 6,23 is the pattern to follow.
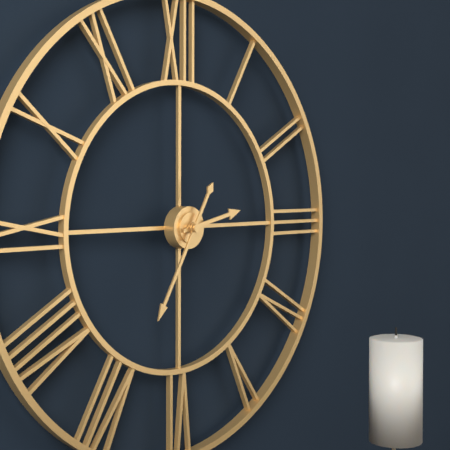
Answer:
2,35
